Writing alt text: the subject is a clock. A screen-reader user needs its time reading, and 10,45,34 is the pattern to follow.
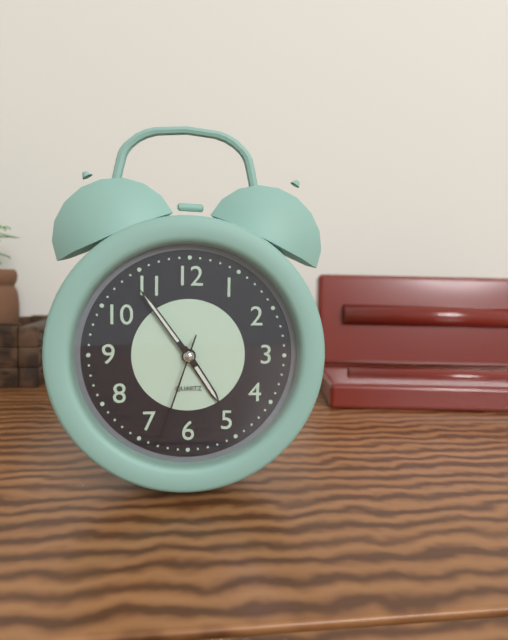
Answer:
4,54,33
